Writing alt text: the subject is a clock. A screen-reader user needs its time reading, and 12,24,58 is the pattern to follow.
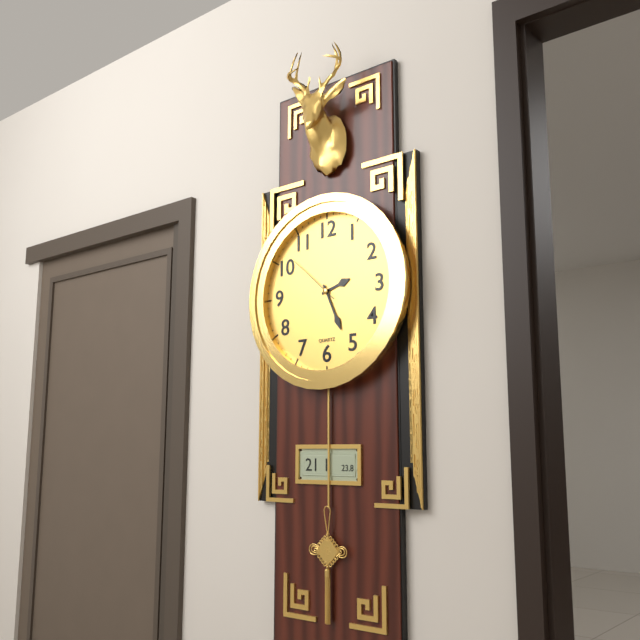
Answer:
2,26,52
